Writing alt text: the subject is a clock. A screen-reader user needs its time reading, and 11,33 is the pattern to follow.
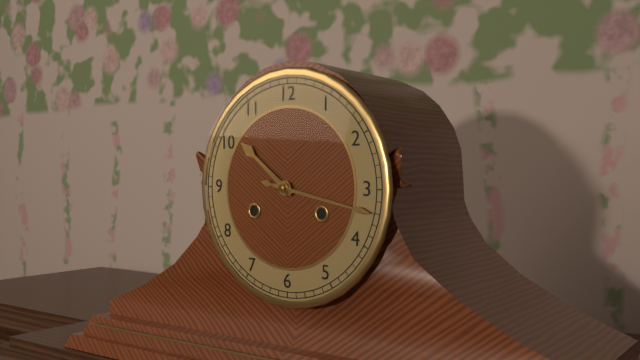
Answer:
10,17
